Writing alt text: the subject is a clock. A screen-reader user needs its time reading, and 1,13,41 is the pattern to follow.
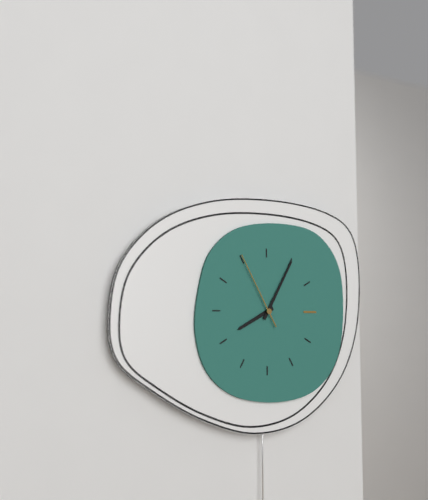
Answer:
8,05,55
